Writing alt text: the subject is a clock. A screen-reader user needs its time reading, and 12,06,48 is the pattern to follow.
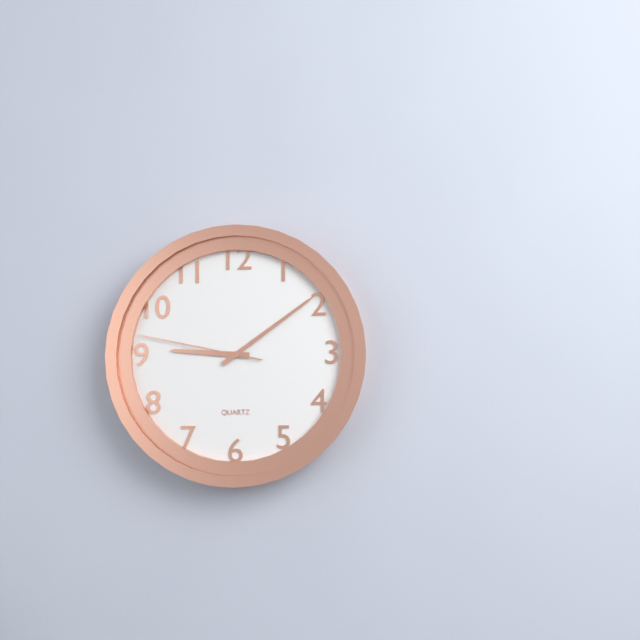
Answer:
9,09,47
